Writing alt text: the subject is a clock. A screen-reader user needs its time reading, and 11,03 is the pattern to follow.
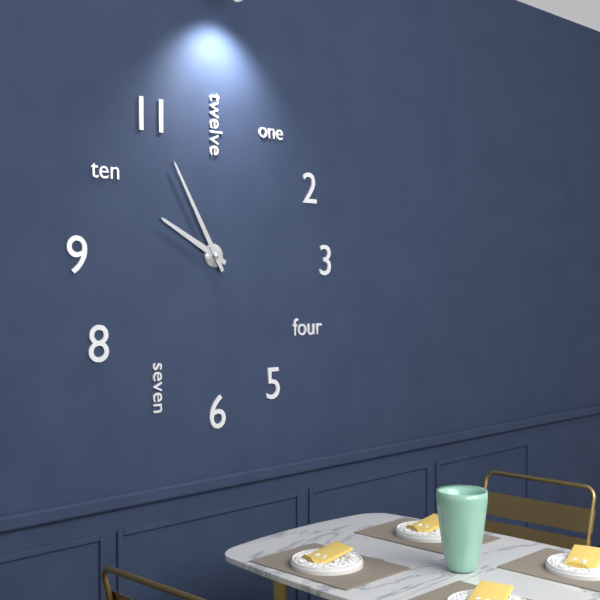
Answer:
9,55
